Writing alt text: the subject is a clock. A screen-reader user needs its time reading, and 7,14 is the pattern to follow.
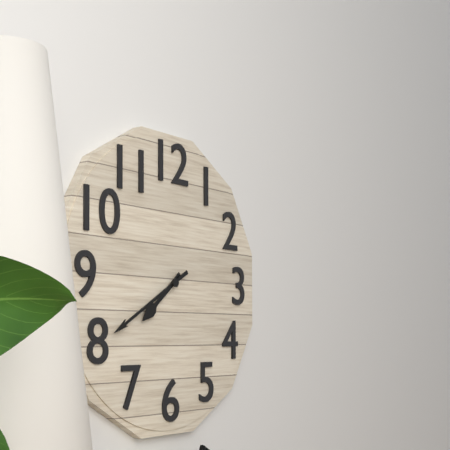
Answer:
7,40
